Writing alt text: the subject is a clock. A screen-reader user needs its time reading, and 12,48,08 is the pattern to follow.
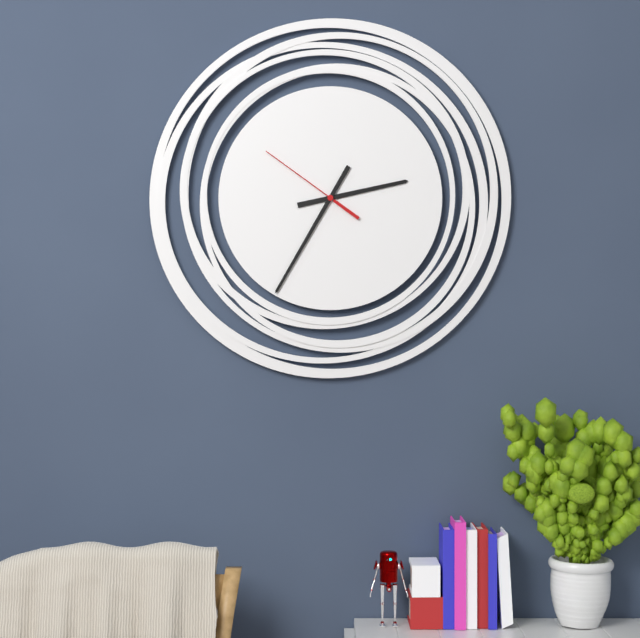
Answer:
2,35,51
